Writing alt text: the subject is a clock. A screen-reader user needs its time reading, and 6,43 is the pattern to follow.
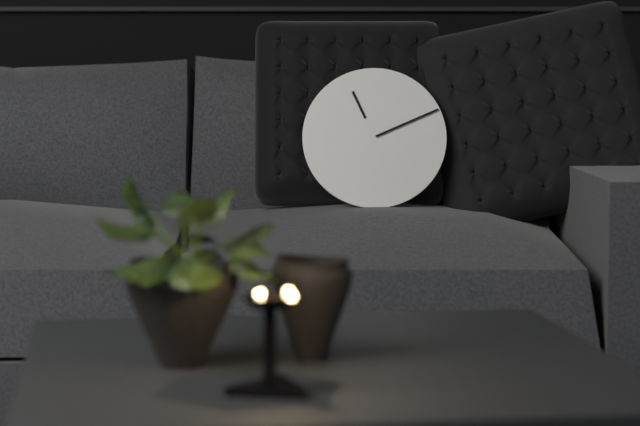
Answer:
11,11
